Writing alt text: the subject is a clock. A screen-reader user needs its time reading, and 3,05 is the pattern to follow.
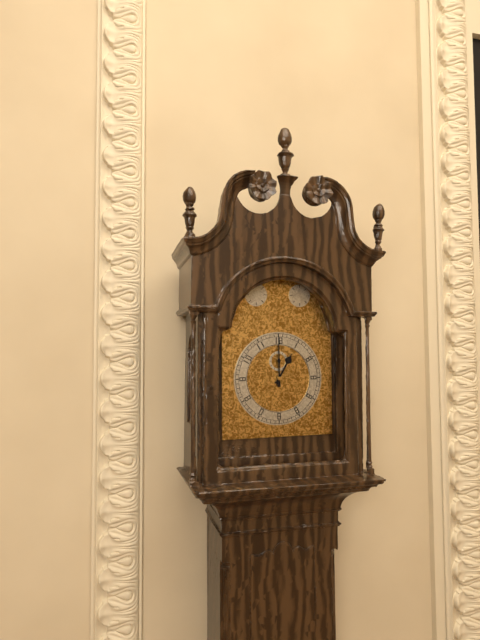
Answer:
1,00
